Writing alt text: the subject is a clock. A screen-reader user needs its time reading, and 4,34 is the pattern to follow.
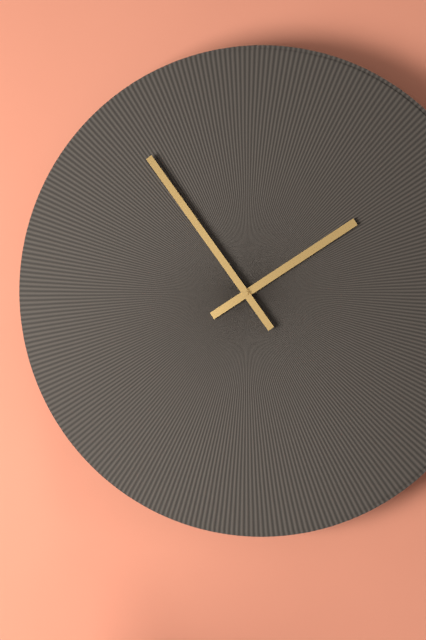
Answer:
1,54
